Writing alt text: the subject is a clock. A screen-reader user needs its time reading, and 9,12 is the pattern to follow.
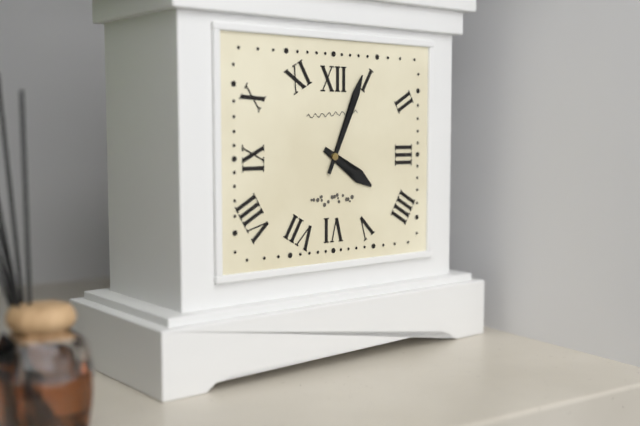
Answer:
4,04
